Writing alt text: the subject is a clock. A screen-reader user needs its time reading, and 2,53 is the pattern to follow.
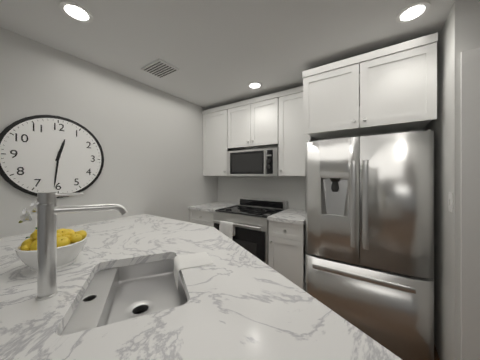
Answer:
12,31
